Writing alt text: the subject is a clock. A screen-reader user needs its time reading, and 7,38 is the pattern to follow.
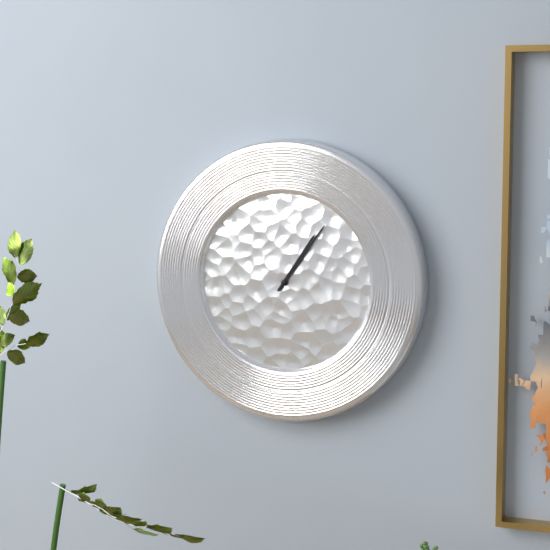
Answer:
1,06
